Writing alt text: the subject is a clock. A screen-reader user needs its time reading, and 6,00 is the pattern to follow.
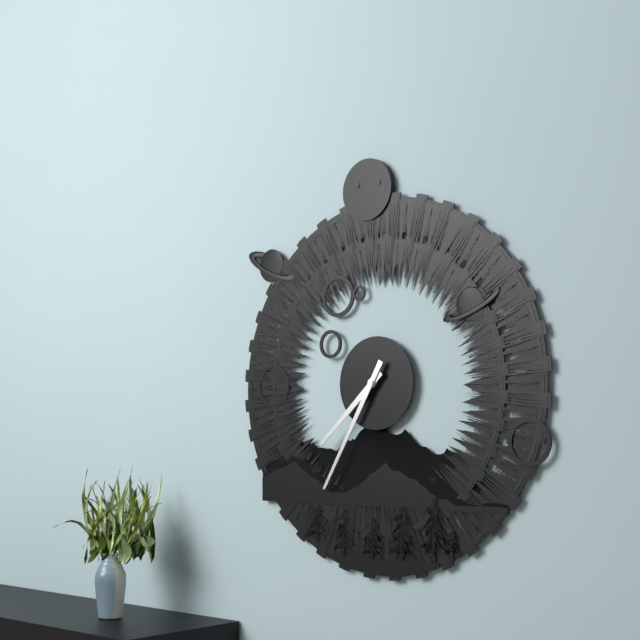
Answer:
7,35
